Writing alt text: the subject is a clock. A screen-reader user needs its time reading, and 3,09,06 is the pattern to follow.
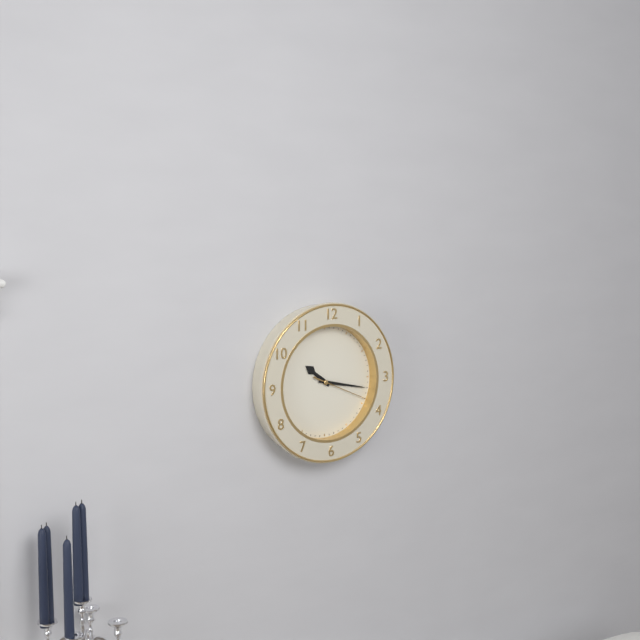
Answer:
10,17,19
